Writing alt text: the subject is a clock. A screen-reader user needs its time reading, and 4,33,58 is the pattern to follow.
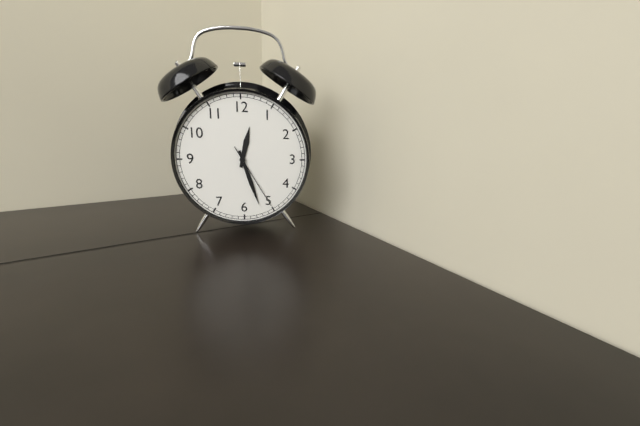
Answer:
12,27,25
